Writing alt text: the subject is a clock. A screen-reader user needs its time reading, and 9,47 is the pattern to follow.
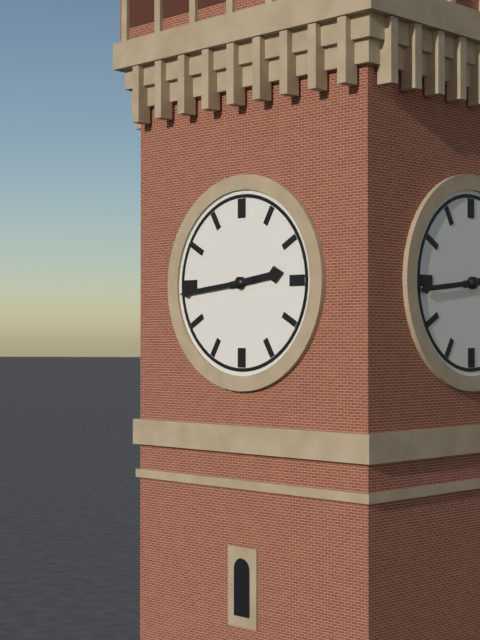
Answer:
2,44
